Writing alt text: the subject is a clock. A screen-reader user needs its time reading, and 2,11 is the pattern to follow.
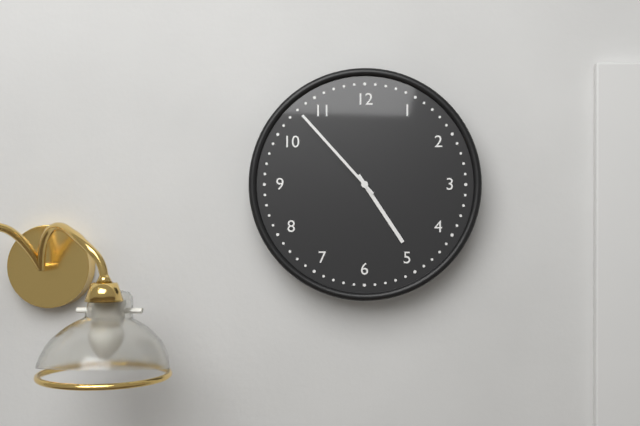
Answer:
4,53
